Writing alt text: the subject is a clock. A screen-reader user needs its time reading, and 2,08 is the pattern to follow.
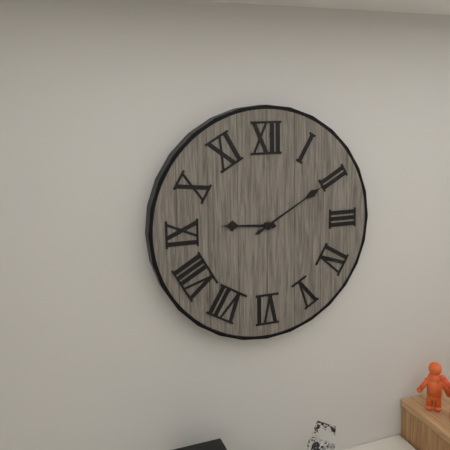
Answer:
9,10
